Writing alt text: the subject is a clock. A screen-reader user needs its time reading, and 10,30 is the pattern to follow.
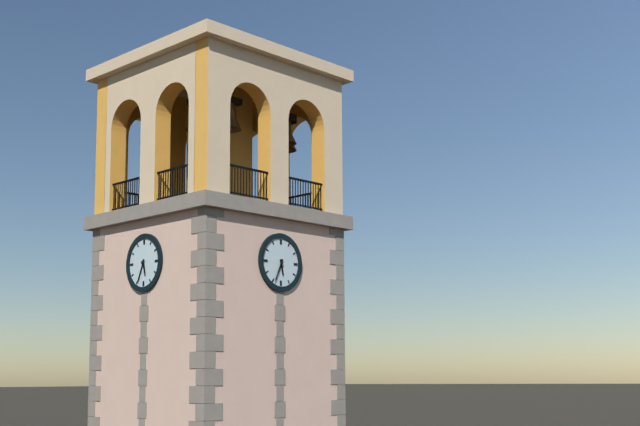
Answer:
5,34
